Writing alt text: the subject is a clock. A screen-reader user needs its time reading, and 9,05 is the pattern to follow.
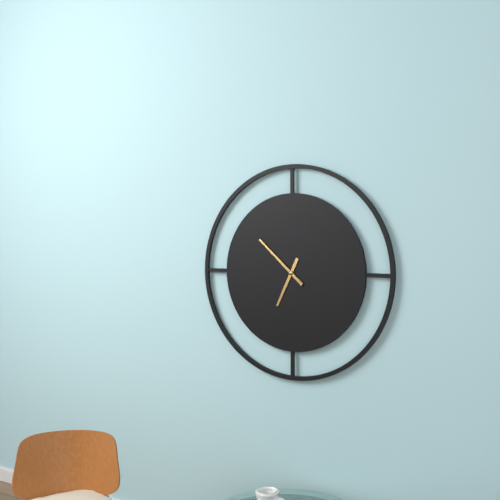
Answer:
6,52
